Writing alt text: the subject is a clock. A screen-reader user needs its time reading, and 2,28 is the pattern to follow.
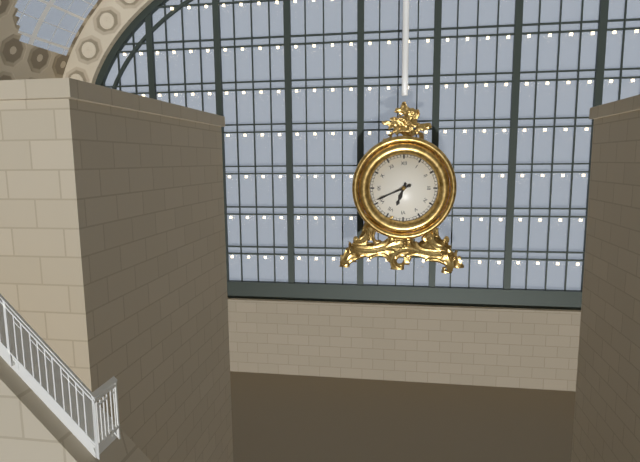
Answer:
6,41
